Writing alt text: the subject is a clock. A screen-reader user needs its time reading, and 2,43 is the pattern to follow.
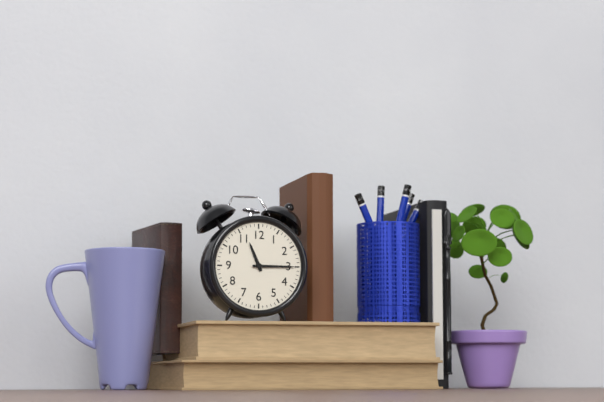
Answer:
11,15
